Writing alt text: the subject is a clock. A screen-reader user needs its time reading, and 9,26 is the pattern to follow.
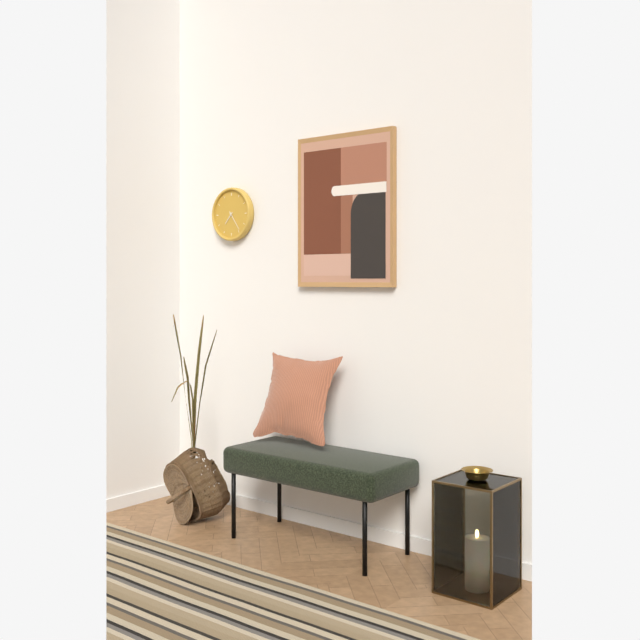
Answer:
7,24
